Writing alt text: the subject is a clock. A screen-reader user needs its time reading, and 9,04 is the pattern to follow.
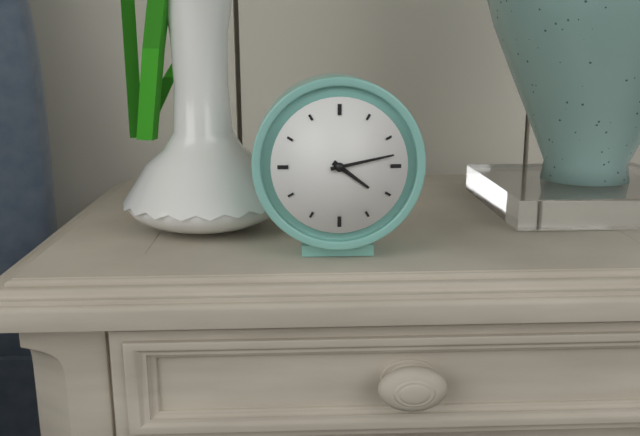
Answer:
4,13
